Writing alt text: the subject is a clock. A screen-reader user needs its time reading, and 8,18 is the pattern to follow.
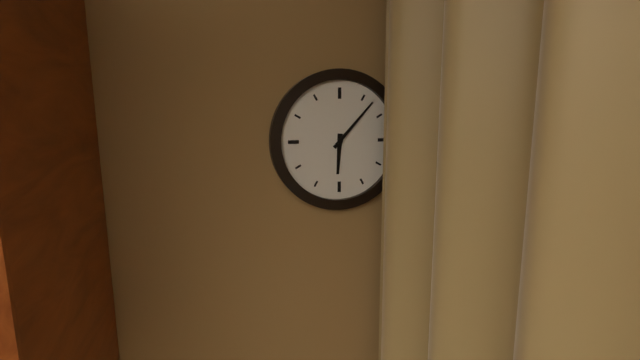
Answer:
6,07
